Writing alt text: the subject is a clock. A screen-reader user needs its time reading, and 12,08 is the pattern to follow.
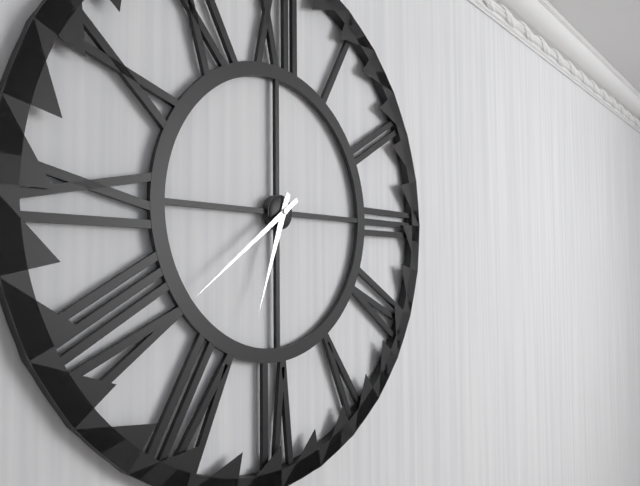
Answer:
6,39
